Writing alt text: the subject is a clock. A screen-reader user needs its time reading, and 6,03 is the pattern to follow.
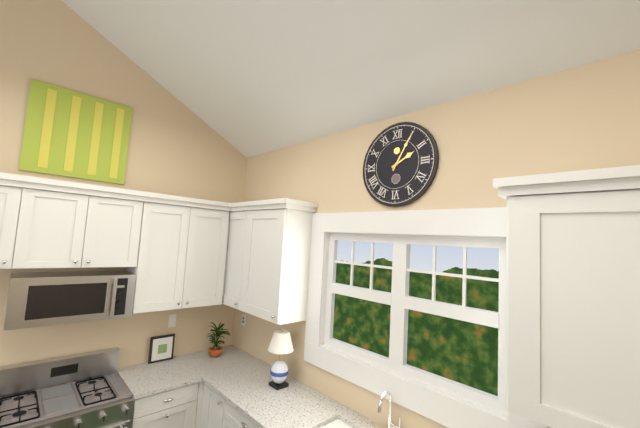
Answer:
2,05
